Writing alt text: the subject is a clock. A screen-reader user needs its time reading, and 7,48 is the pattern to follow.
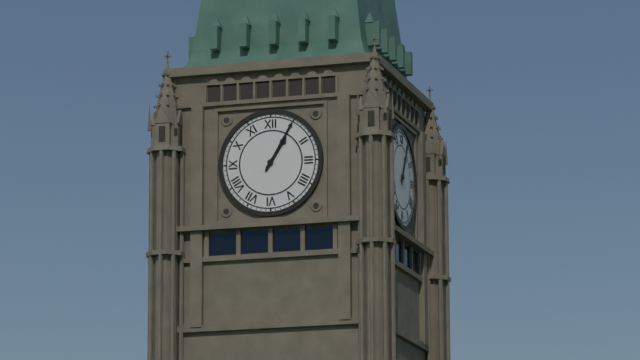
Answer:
1,05
